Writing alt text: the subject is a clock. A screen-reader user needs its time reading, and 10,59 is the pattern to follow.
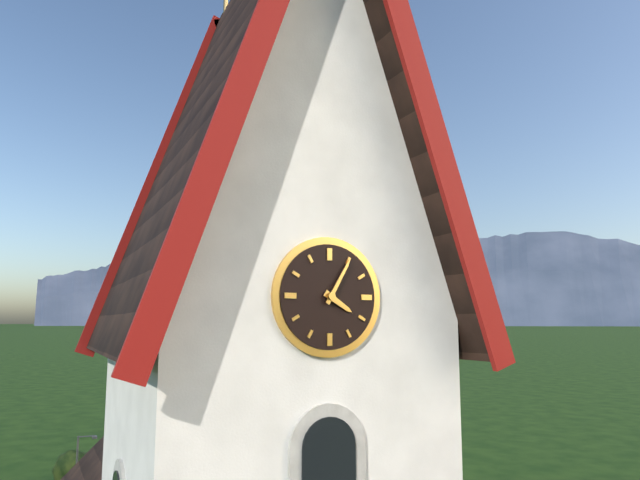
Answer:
4,05
